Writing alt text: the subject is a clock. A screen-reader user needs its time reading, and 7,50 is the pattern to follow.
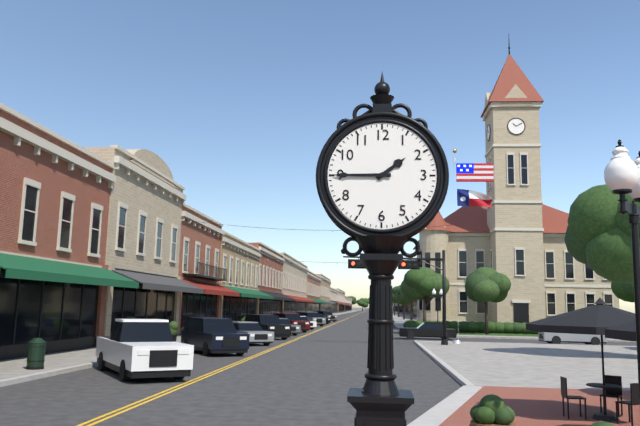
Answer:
1,45
